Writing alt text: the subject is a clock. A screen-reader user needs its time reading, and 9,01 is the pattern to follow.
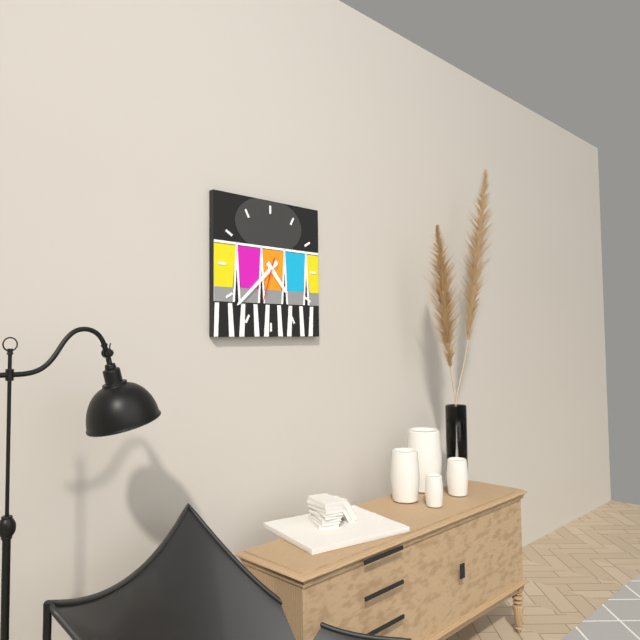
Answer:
4,38
